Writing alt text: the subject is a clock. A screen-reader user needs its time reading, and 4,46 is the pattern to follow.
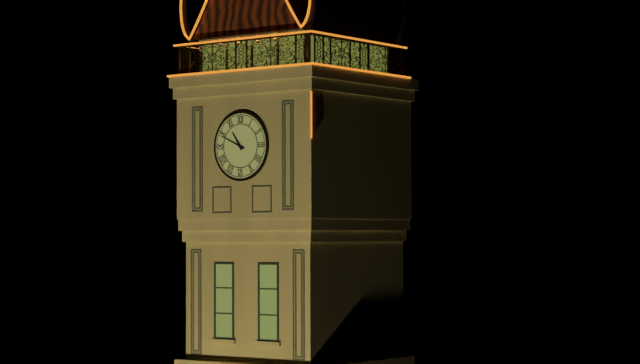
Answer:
10,49
